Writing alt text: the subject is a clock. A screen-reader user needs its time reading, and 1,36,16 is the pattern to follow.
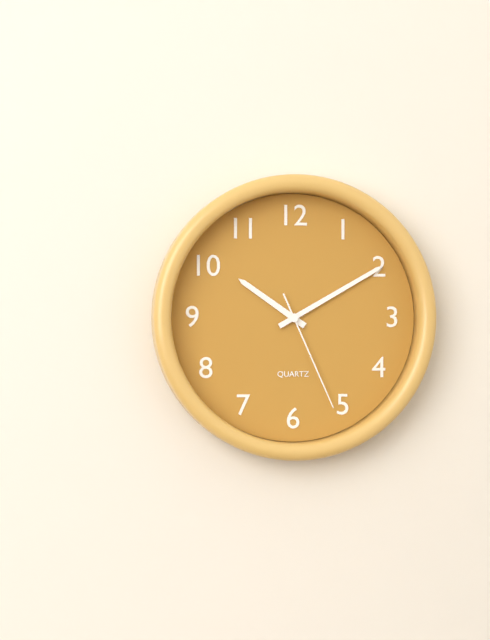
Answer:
10,10,26
